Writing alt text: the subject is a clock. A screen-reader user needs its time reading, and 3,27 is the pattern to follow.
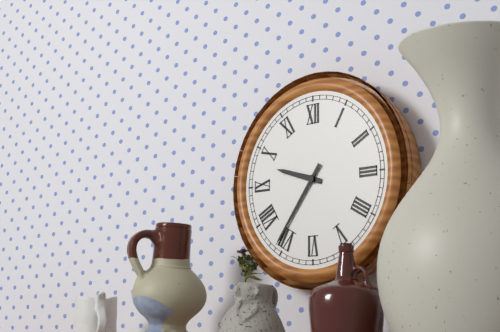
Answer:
9,36
